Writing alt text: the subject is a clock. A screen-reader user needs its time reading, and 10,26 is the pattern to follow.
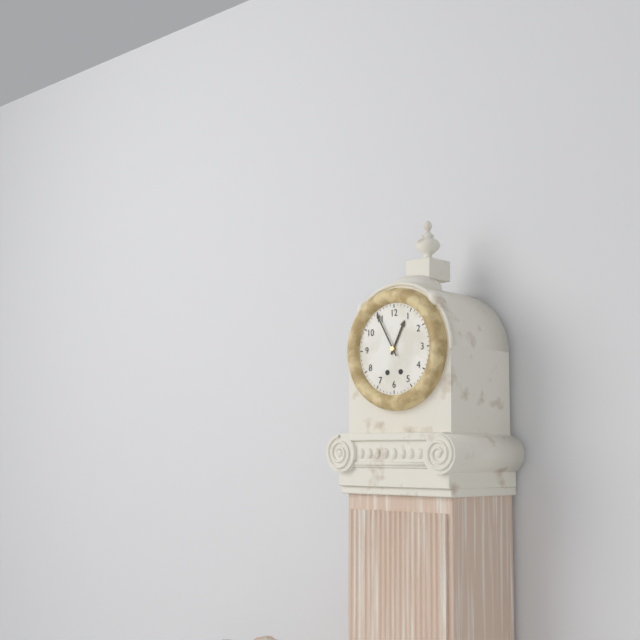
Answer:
12,55
